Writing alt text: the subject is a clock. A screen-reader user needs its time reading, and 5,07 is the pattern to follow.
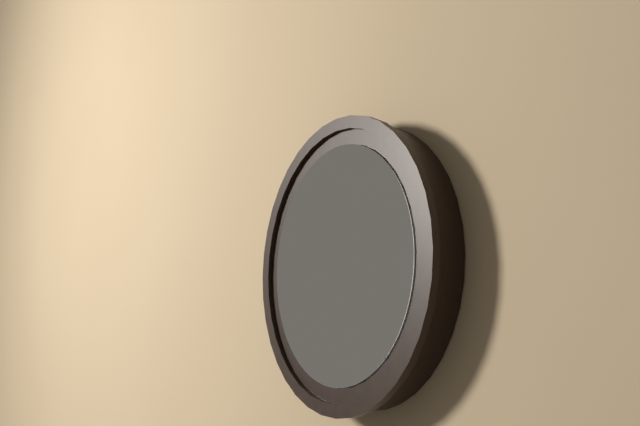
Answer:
8,25
